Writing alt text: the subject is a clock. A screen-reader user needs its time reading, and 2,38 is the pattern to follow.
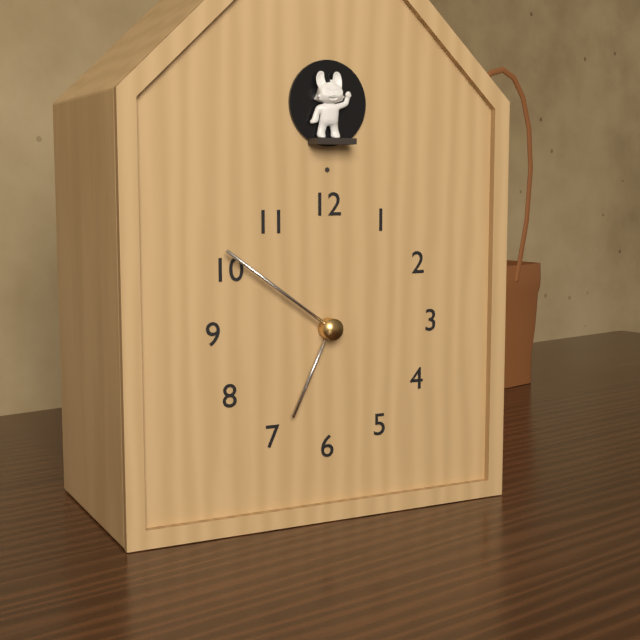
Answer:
6,51
